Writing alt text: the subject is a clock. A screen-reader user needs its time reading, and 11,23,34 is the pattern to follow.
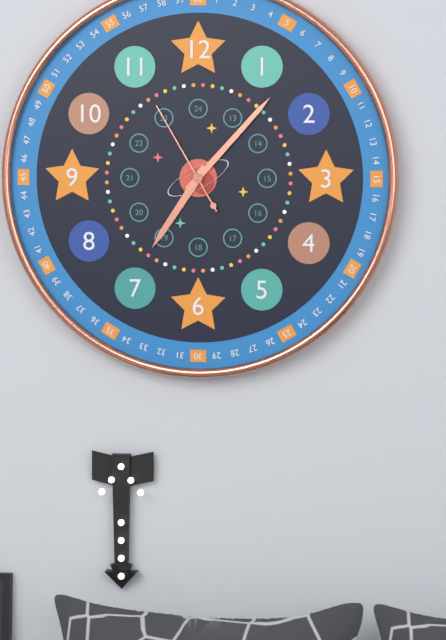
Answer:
7,07,55
